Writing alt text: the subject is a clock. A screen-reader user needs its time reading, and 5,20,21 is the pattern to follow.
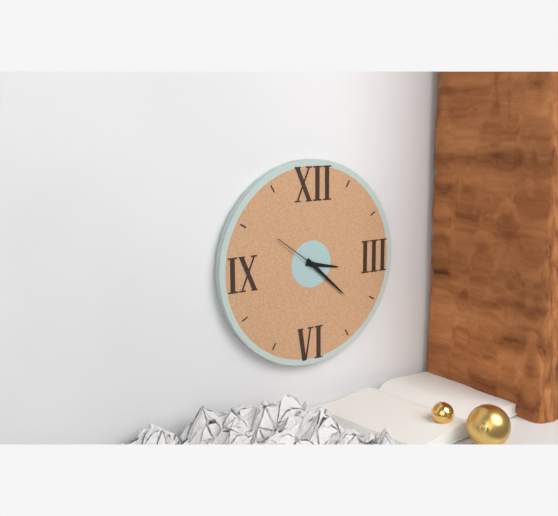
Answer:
3,22,51
